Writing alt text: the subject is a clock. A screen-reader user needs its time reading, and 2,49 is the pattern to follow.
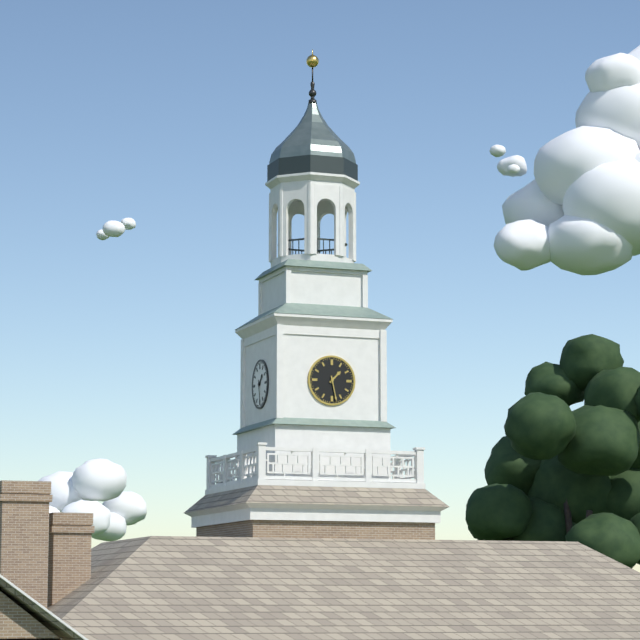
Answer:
1,28
